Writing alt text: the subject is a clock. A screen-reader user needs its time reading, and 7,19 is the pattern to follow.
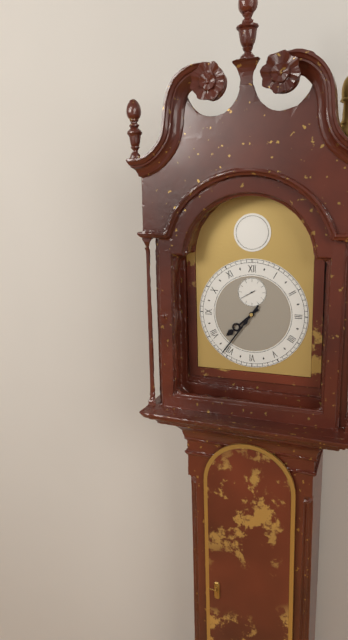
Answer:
7,36
